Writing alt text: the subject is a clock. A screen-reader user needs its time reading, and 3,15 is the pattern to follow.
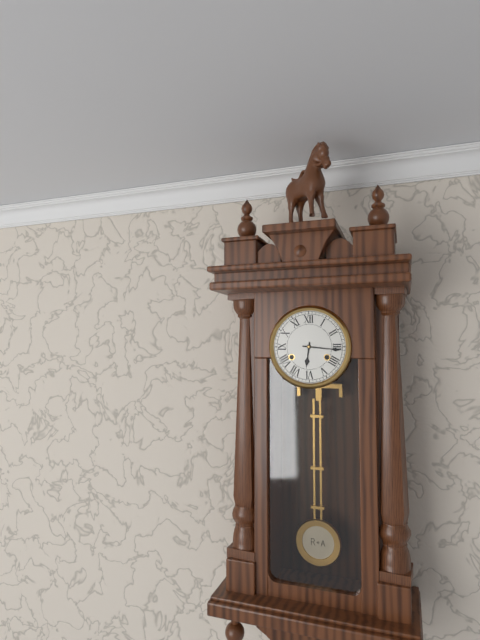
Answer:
6,16
